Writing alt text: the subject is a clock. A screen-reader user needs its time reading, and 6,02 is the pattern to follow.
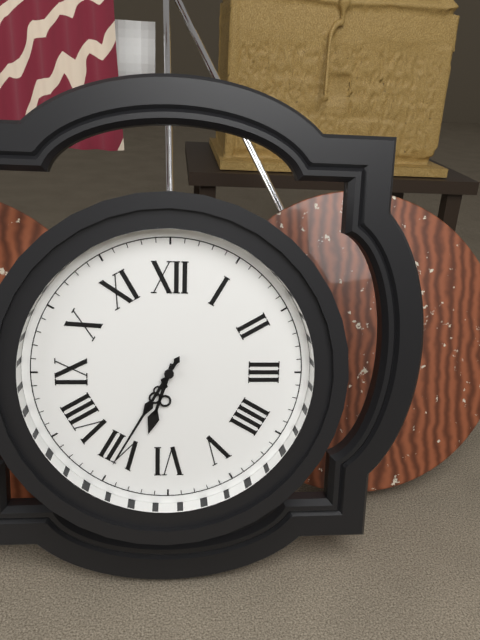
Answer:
6,35
